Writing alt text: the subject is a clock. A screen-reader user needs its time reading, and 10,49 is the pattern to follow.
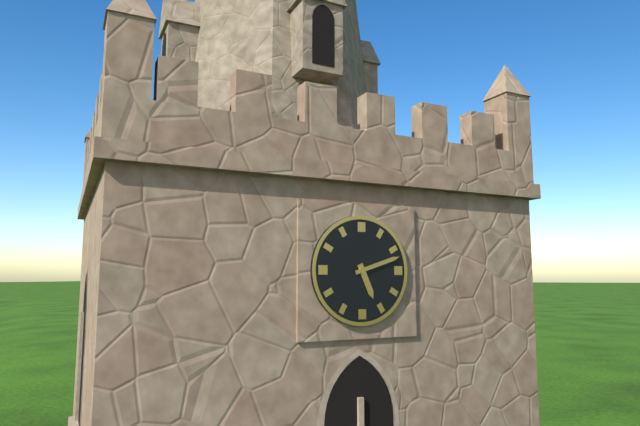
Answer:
5,12
